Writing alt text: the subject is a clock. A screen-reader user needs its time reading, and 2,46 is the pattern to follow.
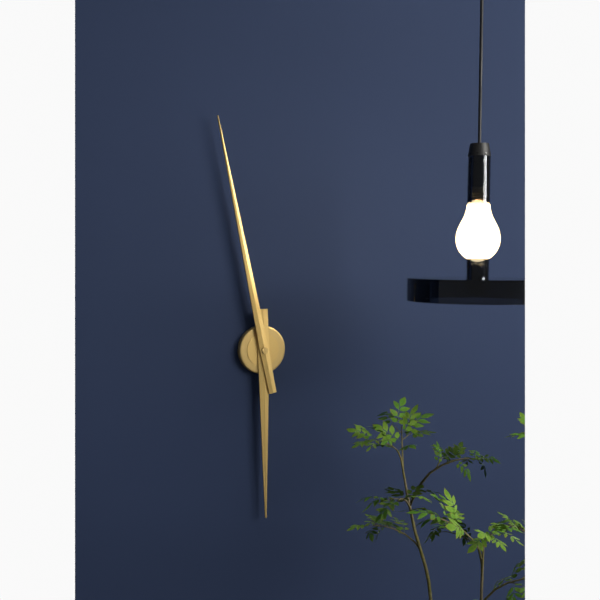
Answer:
5,58
